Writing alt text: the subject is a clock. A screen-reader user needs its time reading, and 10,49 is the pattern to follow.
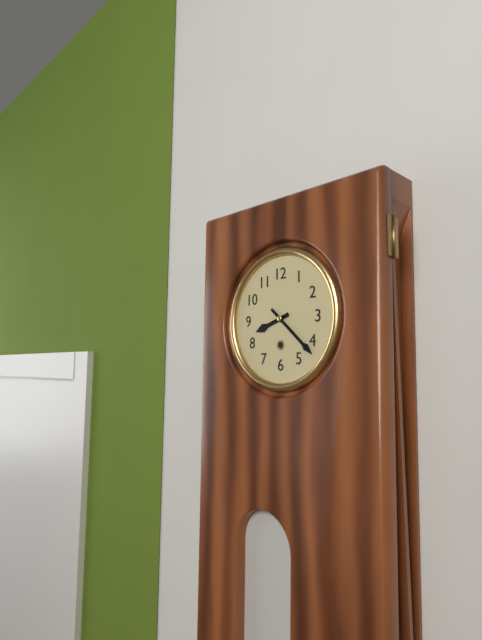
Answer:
8,22
